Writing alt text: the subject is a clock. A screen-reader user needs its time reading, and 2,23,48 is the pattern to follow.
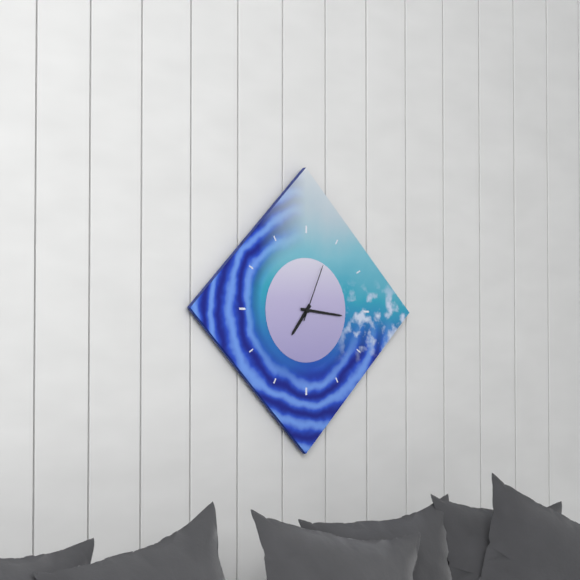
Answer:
7,16,04
